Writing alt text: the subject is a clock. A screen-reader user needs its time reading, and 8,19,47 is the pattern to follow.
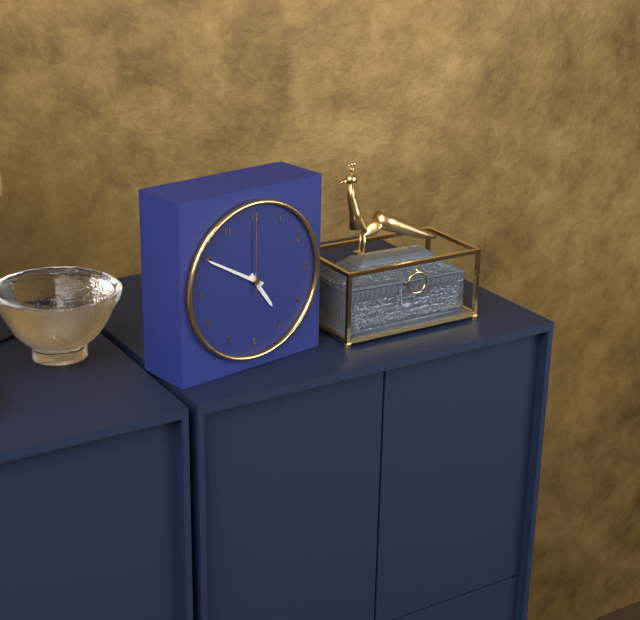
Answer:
4,50,00
